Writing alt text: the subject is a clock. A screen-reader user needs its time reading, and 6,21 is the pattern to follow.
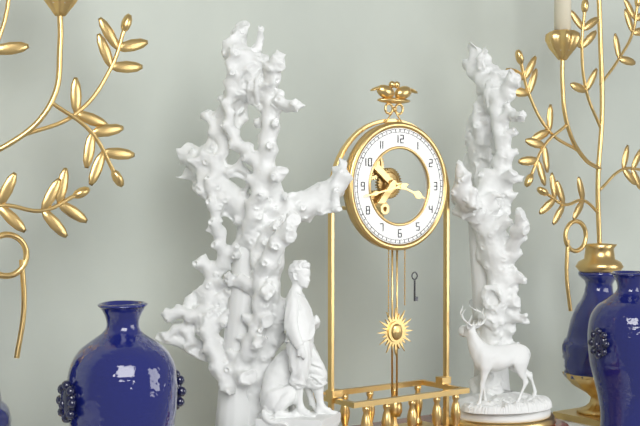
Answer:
3,43
